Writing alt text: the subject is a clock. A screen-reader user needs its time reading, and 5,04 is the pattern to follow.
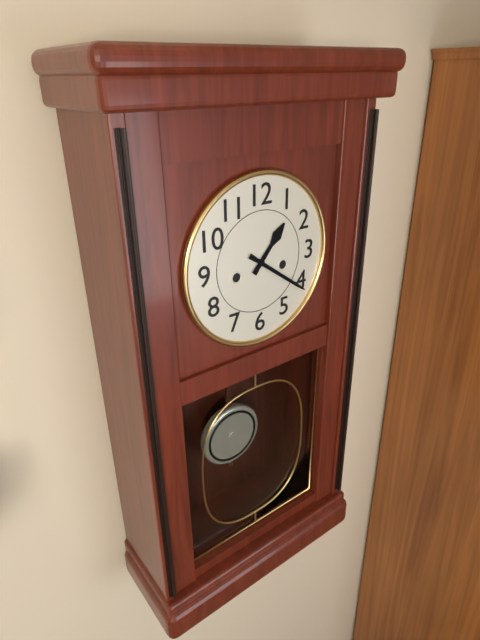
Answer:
1,21
